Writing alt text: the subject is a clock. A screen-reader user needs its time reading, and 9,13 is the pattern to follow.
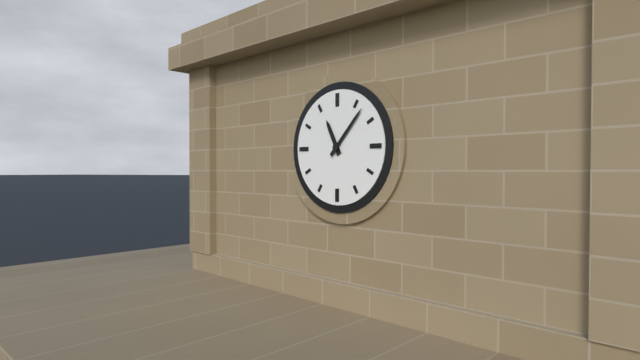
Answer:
11,07
